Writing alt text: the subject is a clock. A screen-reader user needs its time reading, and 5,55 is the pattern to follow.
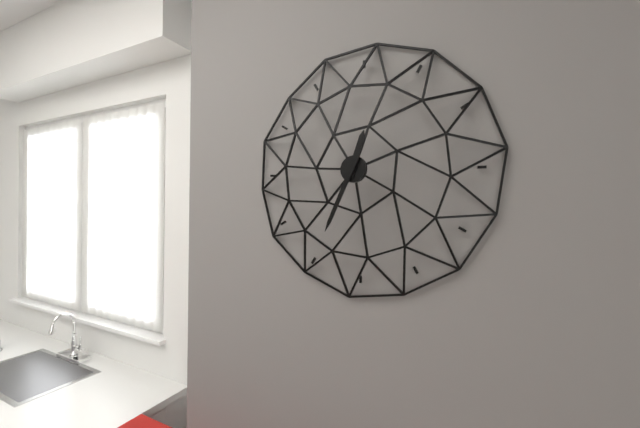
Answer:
12,34
